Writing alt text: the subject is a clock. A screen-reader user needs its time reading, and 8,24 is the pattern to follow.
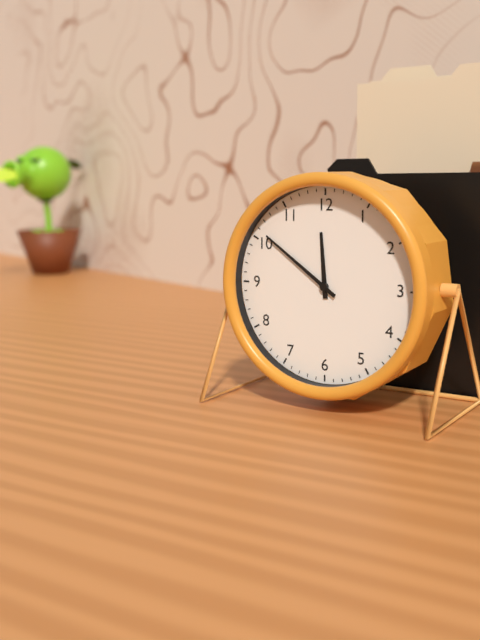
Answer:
11,51
